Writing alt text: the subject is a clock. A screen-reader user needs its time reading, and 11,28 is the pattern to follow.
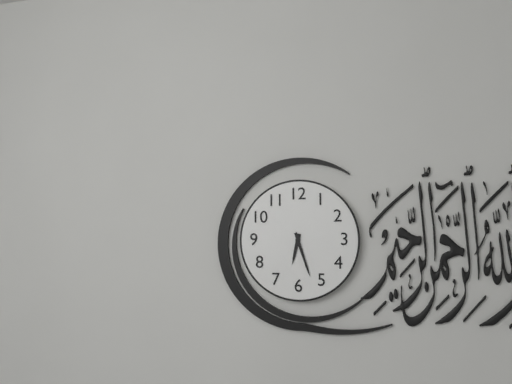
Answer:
6,27
